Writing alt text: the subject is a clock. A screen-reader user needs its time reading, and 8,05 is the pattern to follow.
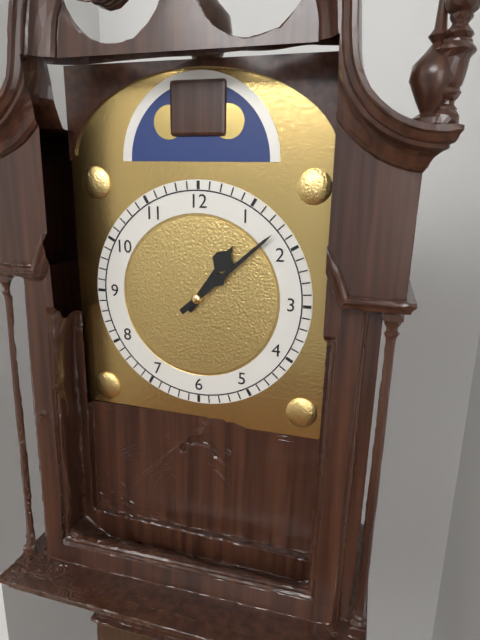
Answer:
1,08
